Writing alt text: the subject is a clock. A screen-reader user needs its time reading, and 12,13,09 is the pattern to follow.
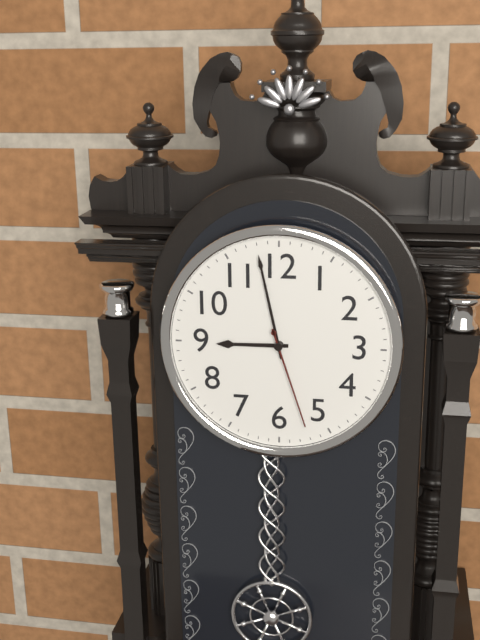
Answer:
8,58,27
